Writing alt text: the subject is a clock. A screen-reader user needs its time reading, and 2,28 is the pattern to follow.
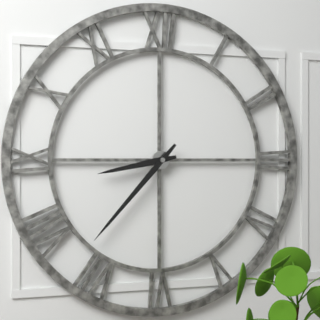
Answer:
8,37
